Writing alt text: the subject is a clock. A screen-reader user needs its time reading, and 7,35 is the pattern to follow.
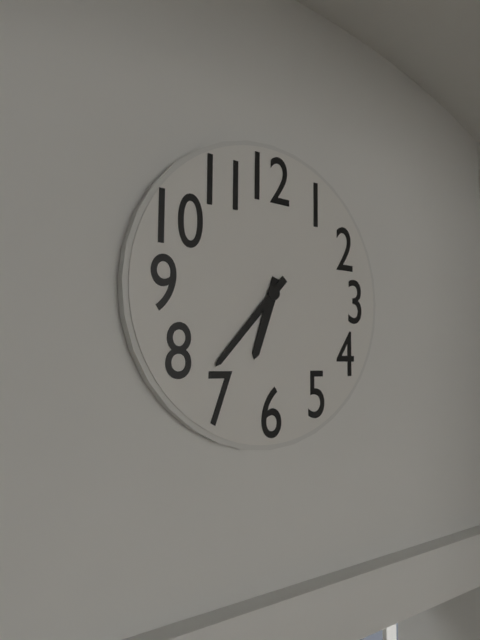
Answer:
6,37
